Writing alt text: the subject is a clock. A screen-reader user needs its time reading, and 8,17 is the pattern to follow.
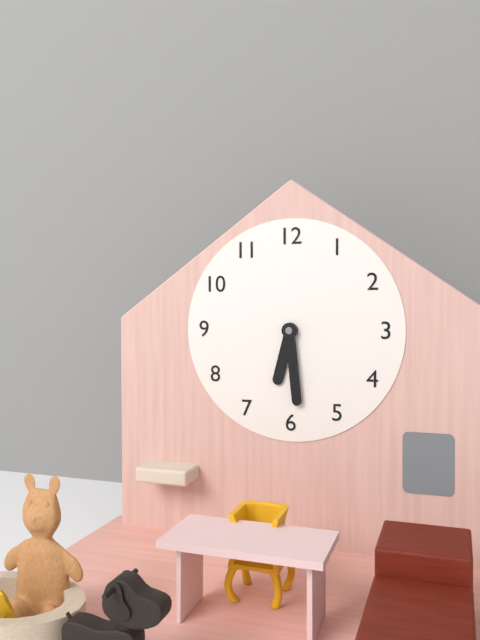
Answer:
6,29
